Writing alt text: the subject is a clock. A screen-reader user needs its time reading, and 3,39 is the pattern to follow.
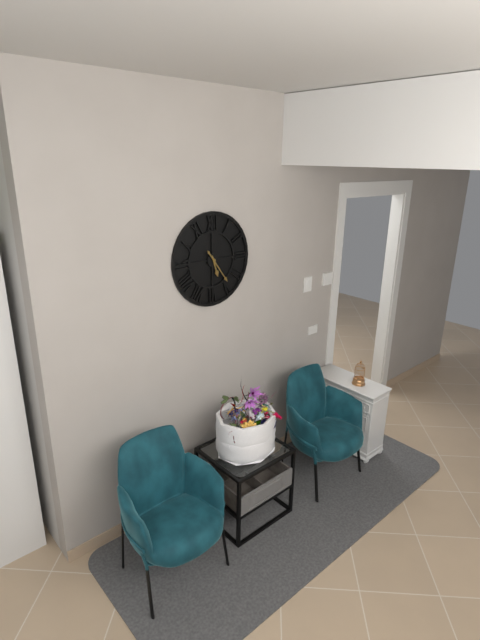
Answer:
5,24
